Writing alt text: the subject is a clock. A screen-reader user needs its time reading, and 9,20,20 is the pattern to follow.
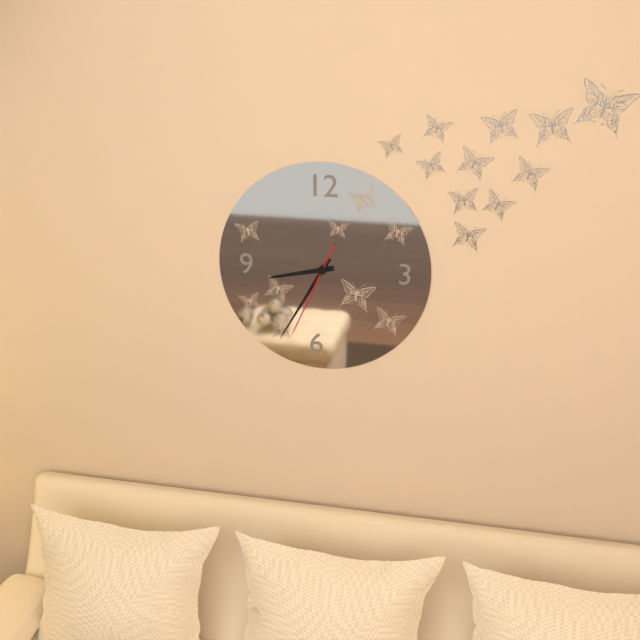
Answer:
8,35,34
